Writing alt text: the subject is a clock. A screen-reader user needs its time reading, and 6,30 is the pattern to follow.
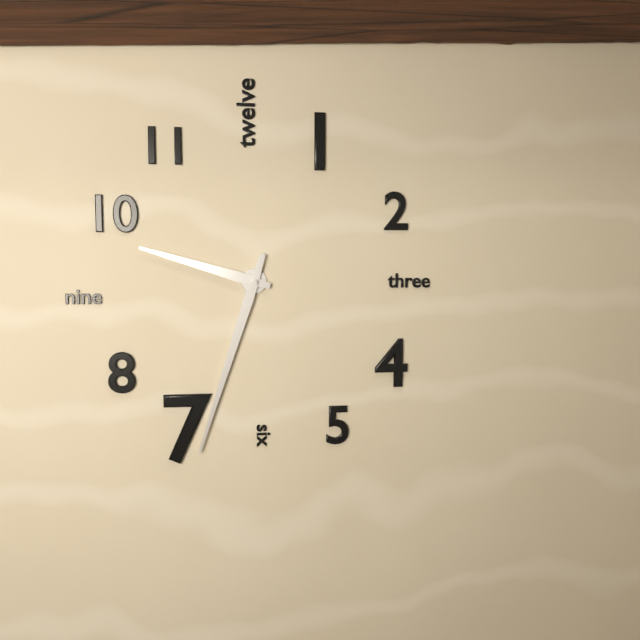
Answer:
9,33
